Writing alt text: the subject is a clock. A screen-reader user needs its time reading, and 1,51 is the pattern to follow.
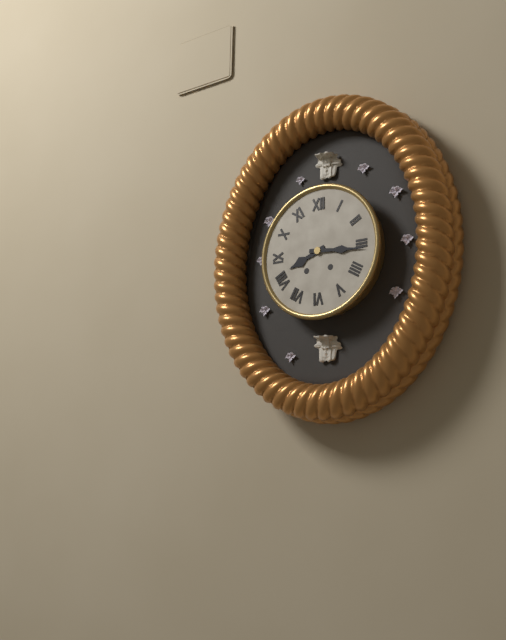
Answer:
8,16
